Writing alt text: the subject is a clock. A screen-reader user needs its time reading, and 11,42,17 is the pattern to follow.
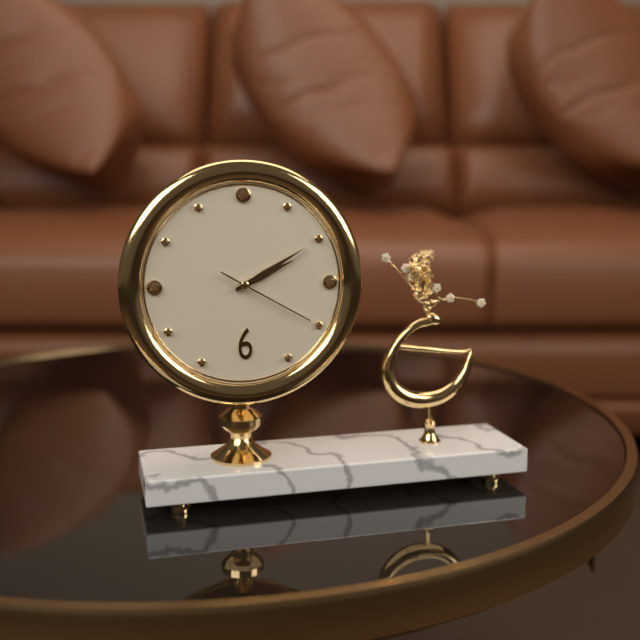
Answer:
2,10,20
